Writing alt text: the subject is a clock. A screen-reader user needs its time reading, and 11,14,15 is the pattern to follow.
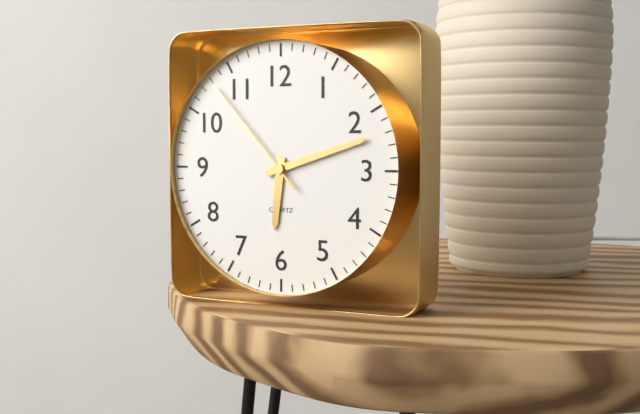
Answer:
6,12,53
